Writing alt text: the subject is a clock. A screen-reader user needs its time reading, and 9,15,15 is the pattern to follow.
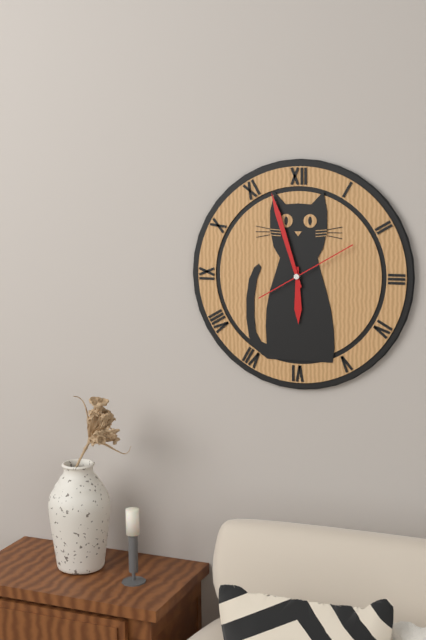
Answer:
5,57,10
